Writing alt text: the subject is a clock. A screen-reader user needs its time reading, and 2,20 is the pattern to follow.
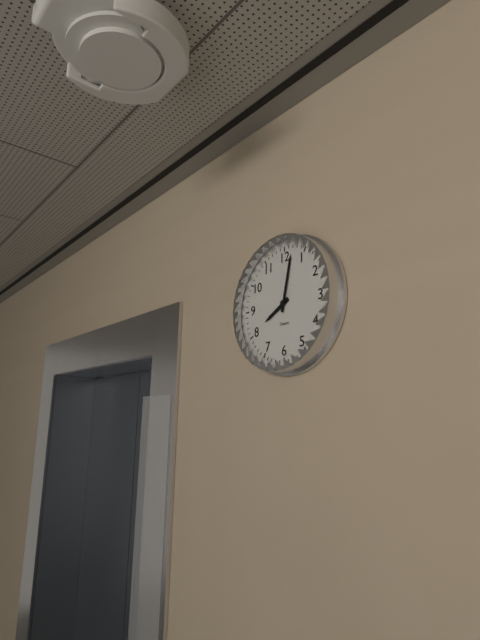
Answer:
8,02
